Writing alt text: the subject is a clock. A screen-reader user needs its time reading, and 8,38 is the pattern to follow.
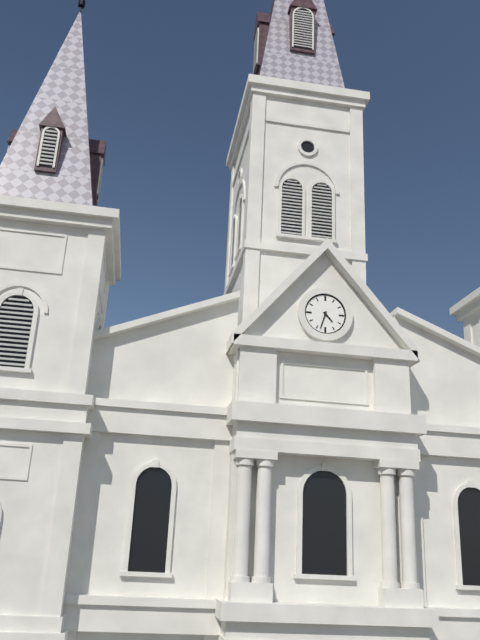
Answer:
4,33
